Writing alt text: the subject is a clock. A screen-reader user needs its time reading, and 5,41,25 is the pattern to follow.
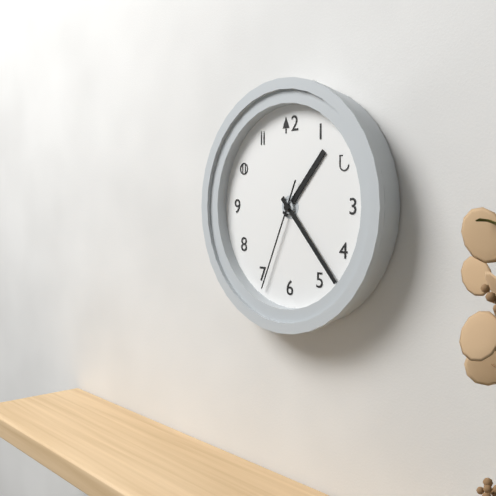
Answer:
1,23,34
